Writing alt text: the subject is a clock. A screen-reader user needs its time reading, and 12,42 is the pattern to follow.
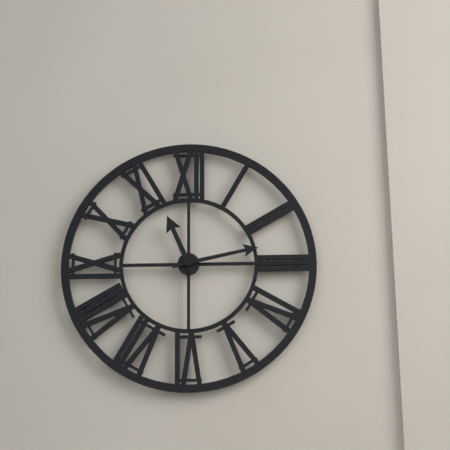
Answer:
11,13
